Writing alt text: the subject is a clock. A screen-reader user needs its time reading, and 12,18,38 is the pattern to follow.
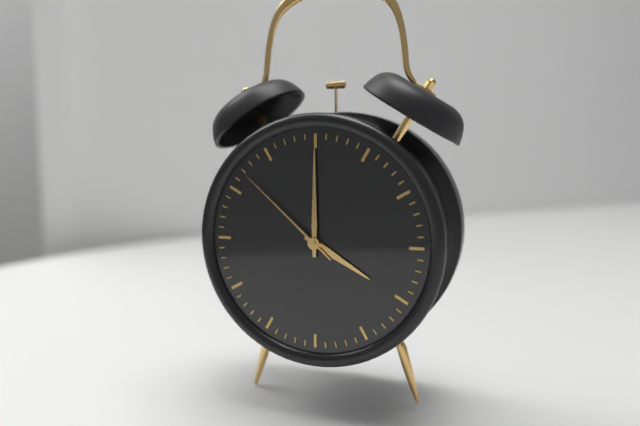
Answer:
4,00,52
